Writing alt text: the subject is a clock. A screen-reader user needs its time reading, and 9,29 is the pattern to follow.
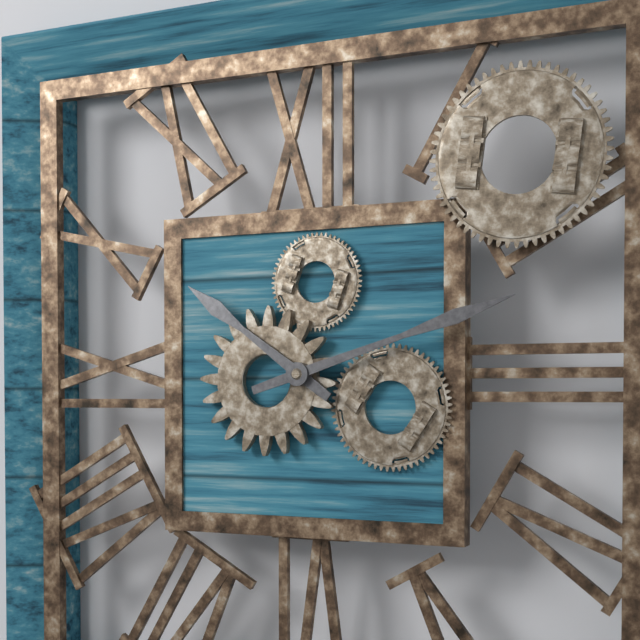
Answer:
10,12
